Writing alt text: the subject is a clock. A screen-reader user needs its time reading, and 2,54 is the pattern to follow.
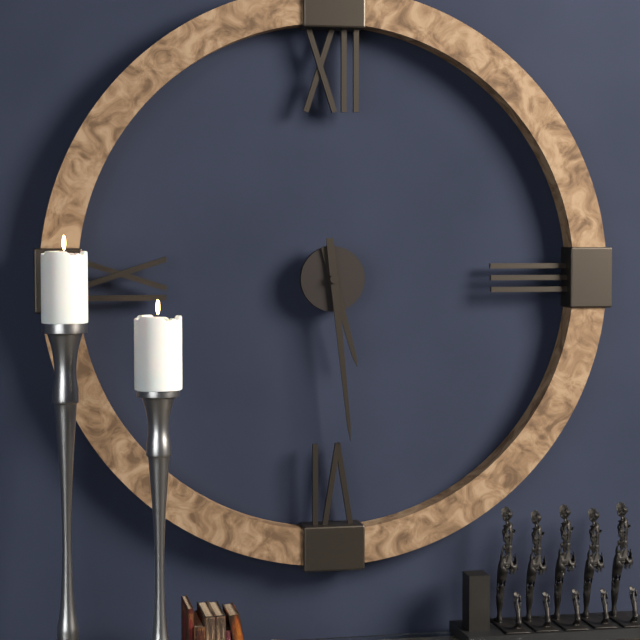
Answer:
5,29
